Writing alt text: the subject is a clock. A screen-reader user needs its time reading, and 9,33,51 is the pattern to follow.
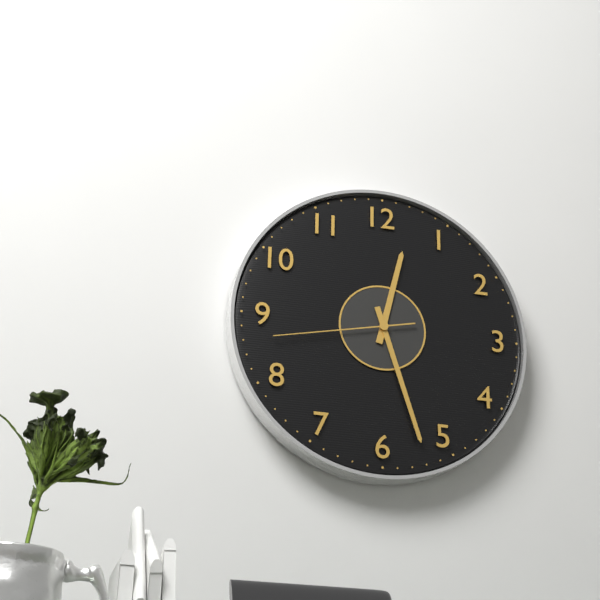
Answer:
12,27,43
